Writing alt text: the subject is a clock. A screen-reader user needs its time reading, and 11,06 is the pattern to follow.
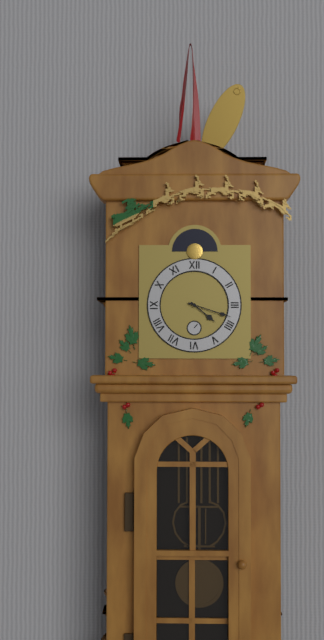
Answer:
4,18
